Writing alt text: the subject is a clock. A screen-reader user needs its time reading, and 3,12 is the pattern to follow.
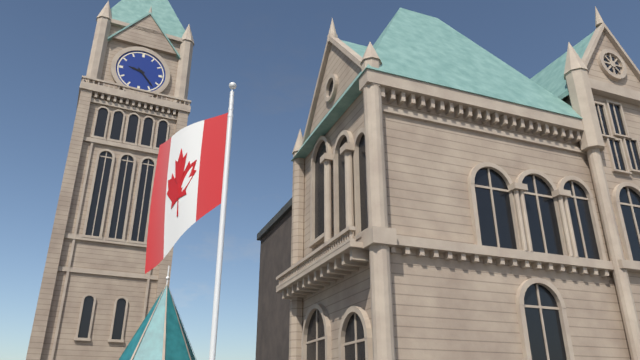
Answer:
9,23
